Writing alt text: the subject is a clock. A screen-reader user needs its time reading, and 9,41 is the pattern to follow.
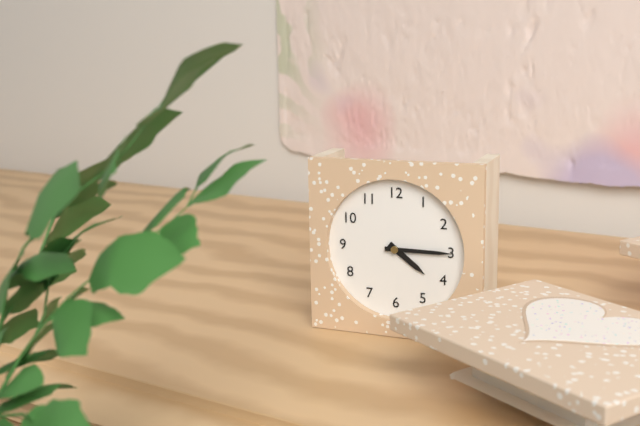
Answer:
4,15
